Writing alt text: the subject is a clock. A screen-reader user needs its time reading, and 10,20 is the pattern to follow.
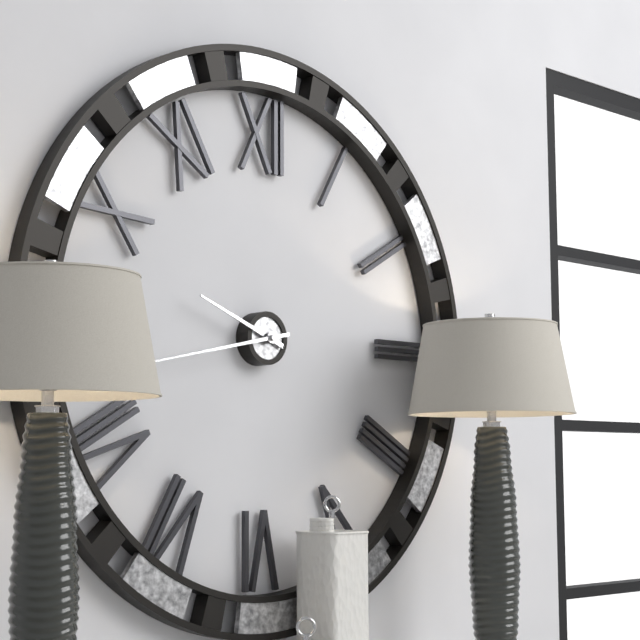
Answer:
9,43
